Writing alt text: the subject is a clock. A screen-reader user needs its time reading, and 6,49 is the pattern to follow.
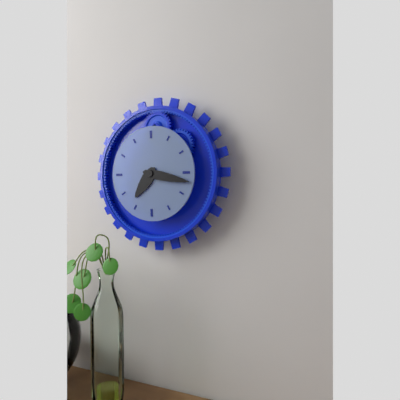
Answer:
7,17
